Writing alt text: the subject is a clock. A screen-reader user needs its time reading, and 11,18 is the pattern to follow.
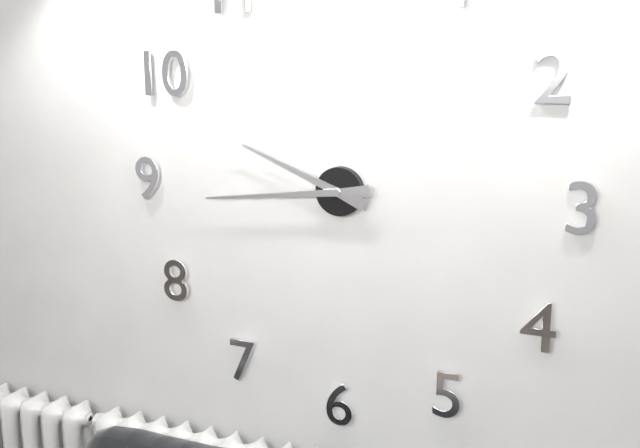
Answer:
9,44
